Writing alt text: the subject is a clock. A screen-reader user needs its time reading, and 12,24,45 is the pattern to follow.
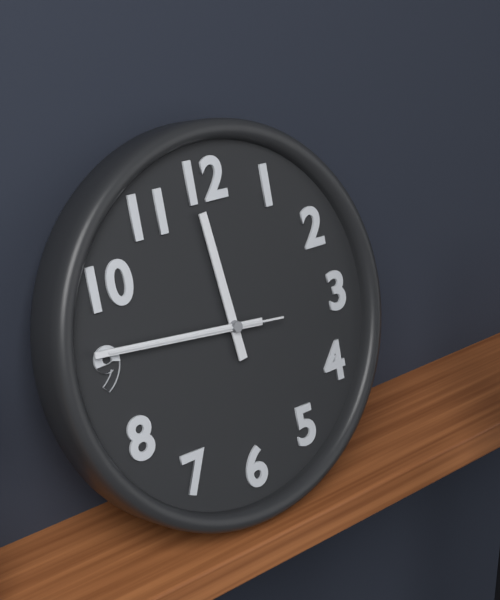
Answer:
11,46,46
